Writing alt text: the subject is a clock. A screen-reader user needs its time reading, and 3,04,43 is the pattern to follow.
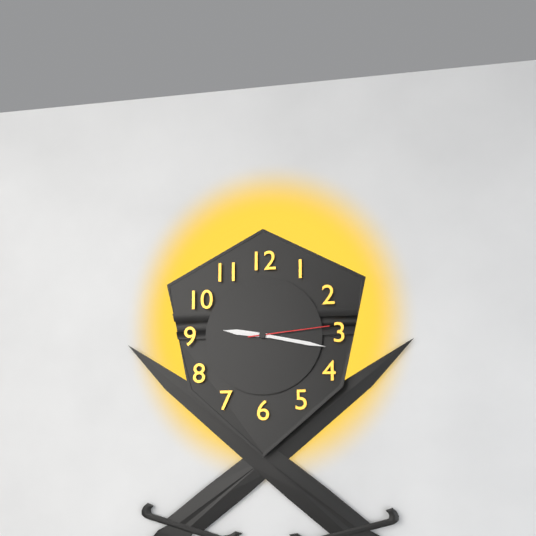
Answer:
9,17,14
